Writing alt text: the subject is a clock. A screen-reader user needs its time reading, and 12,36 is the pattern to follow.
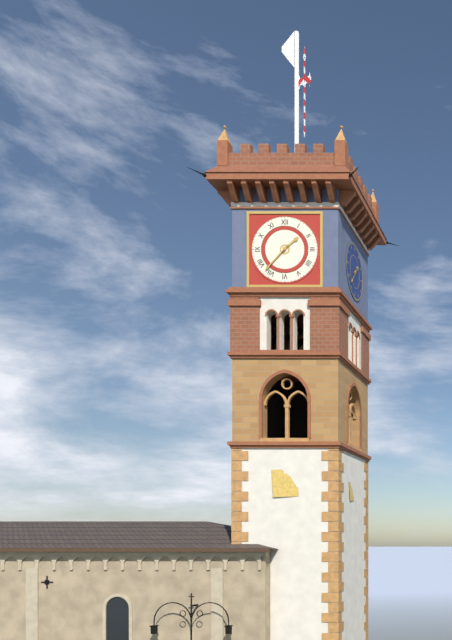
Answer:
1,37
